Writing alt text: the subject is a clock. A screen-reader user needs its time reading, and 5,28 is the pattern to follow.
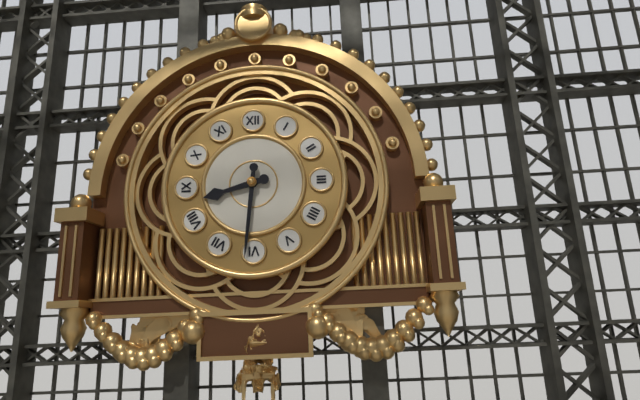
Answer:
8,31
